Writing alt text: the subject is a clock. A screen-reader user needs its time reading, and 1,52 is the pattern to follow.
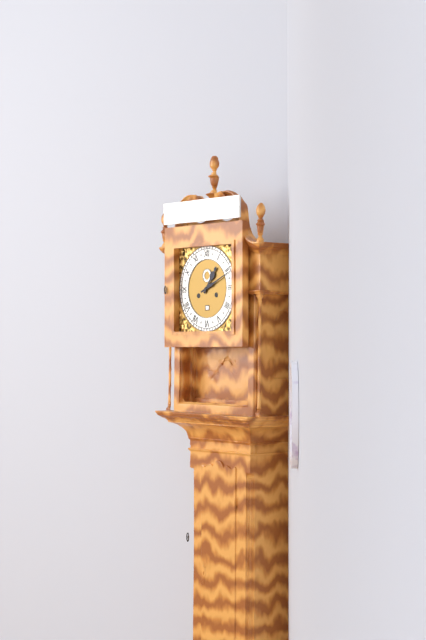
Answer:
1,11
